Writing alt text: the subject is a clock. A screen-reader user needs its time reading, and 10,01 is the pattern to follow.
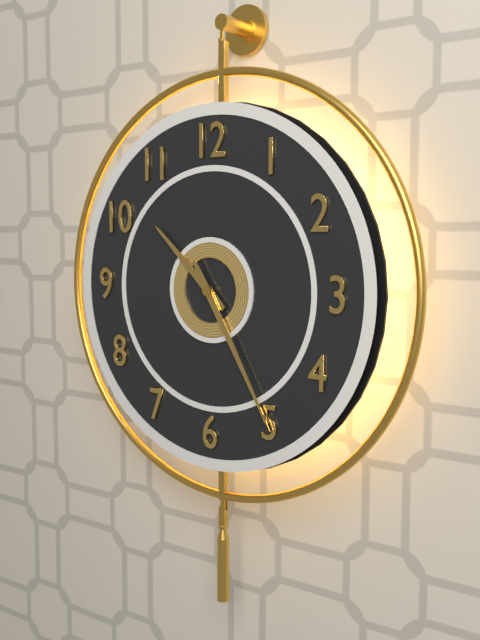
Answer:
10,25
